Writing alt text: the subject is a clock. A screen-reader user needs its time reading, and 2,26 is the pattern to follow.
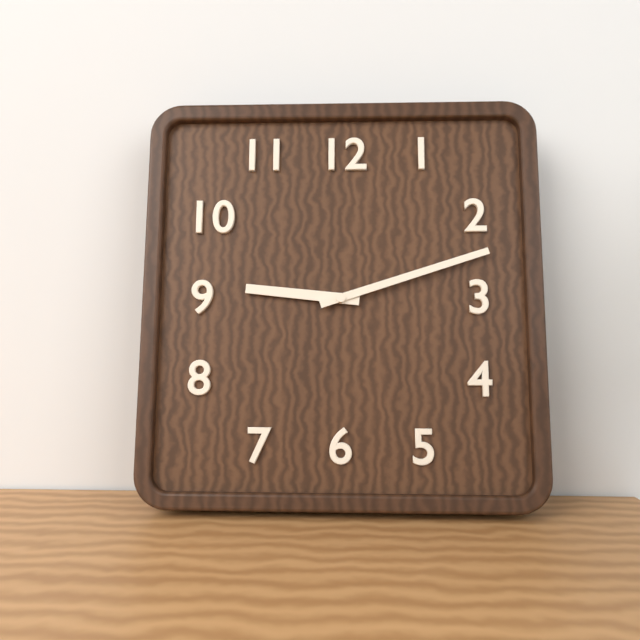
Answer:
9,12
